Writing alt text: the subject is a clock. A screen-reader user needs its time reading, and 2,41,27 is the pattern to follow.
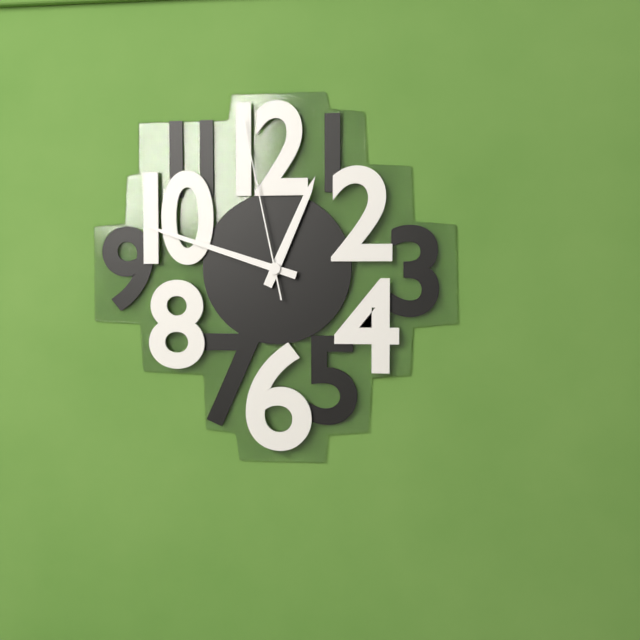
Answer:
12,48,58
